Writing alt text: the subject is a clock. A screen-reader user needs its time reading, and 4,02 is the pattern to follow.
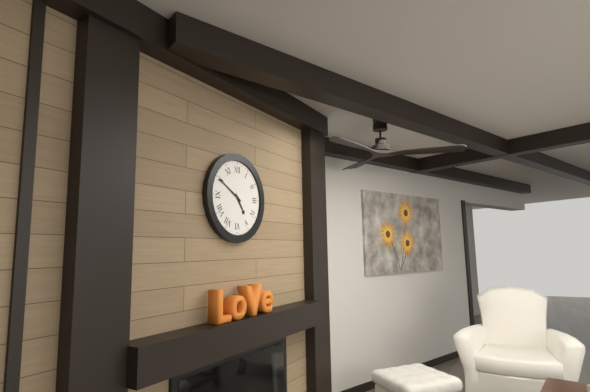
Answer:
4,50
